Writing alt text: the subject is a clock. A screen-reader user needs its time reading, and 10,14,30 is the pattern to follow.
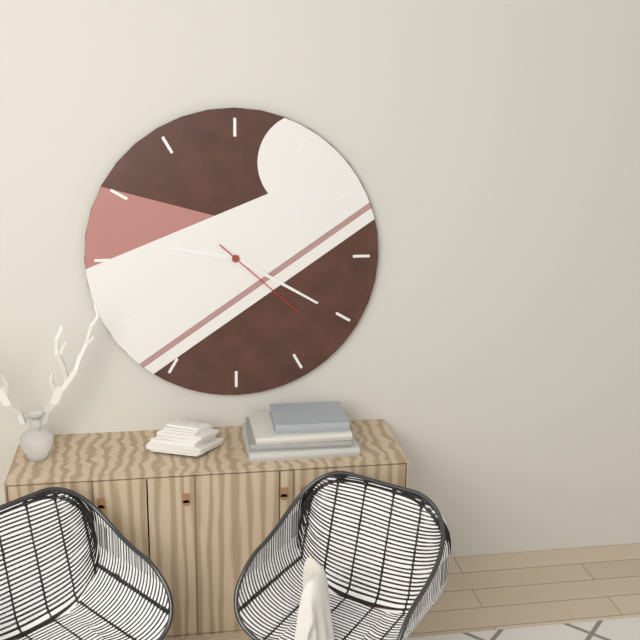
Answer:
9,20,22
